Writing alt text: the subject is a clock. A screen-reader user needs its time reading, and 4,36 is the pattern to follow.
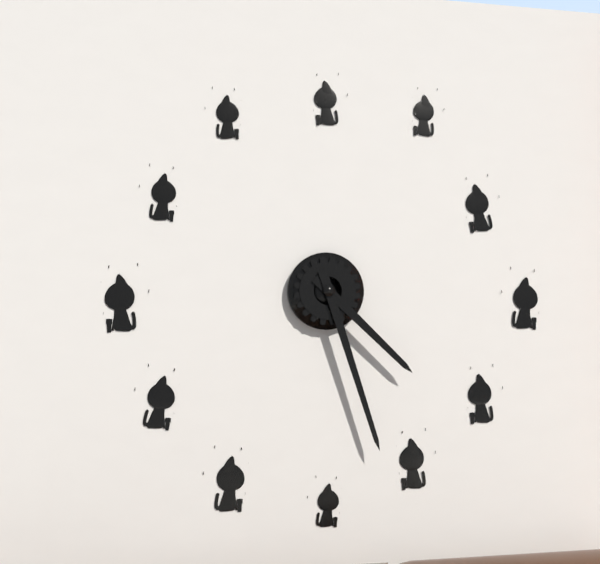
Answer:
4,27
